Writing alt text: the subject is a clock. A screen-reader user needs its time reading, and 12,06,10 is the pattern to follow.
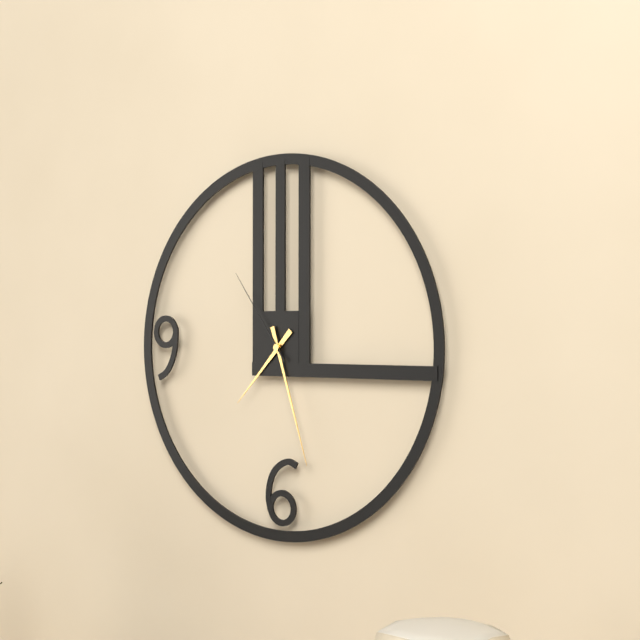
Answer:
7,27,54
